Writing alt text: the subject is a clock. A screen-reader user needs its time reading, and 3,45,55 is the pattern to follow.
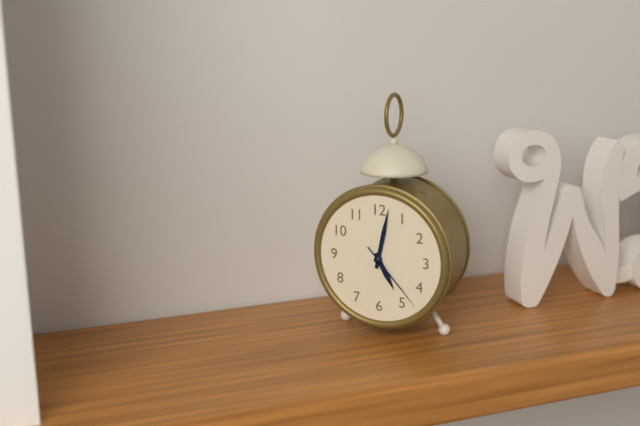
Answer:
5,02,23
